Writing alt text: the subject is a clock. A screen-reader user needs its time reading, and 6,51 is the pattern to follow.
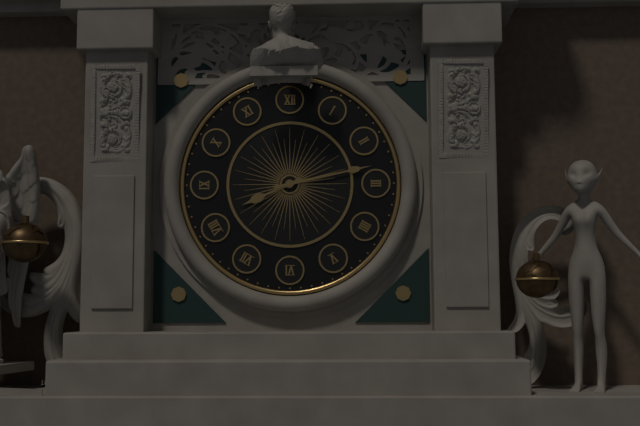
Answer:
8,13
